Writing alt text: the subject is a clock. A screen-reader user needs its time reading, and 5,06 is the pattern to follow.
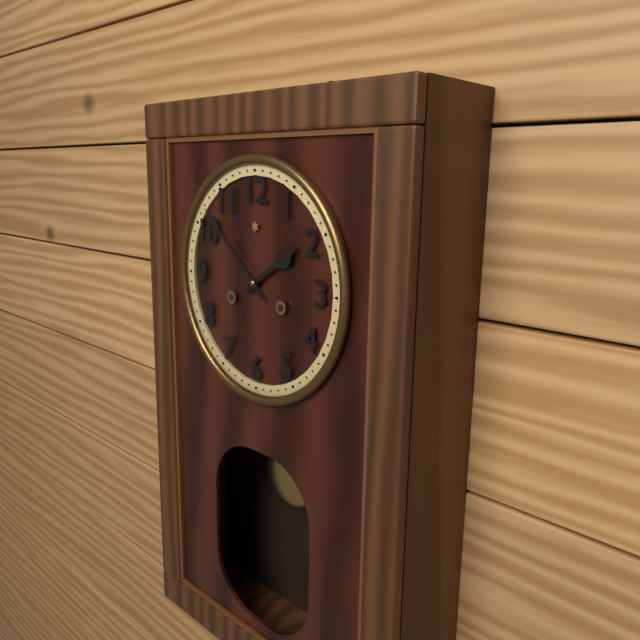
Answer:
1,52
